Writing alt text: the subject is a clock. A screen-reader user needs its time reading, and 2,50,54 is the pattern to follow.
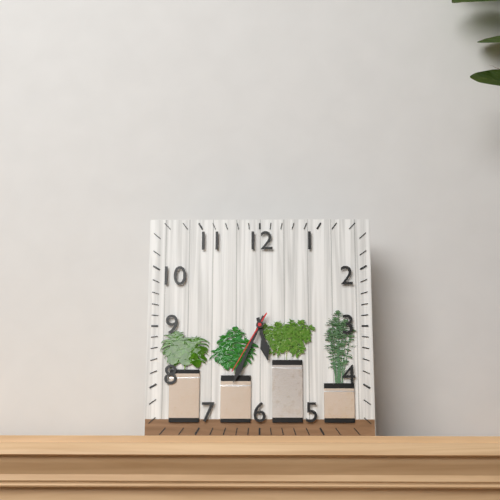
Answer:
5,34,35
